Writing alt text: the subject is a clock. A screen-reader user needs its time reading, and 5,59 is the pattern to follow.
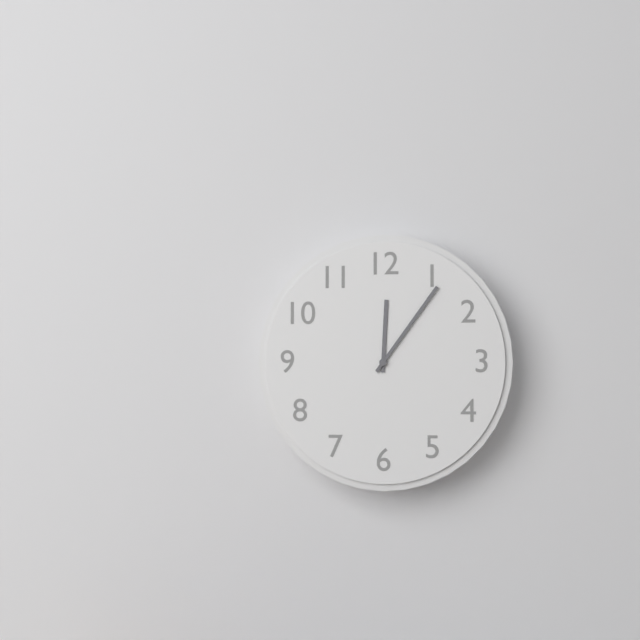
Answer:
12,06
